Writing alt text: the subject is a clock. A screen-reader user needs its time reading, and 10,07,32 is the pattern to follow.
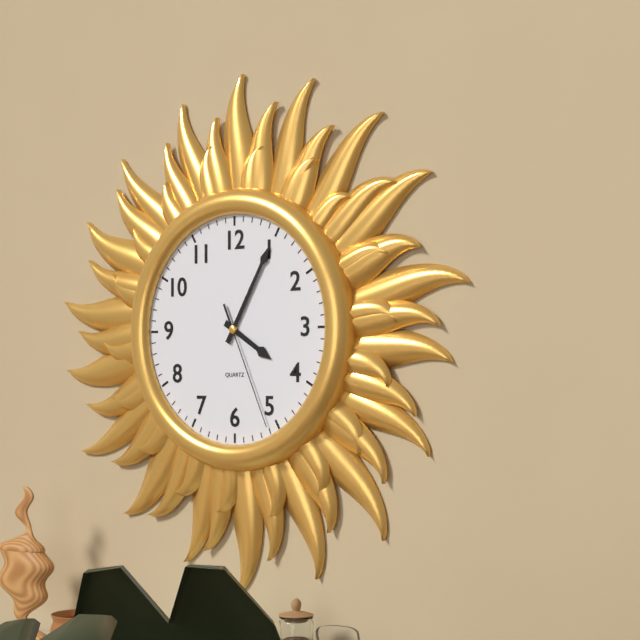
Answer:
4,05,26
